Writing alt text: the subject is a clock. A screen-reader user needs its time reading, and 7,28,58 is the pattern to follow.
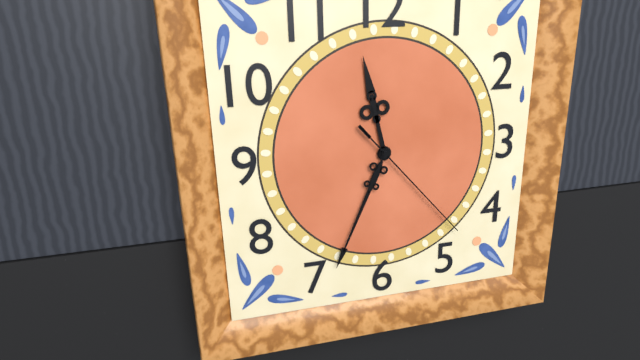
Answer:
11,34,23
